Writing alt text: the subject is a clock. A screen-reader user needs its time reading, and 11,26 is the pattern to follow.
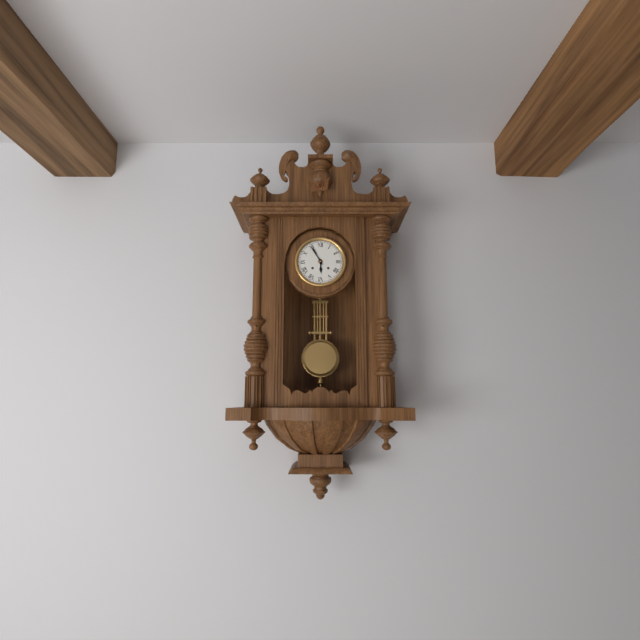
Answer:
5,55
